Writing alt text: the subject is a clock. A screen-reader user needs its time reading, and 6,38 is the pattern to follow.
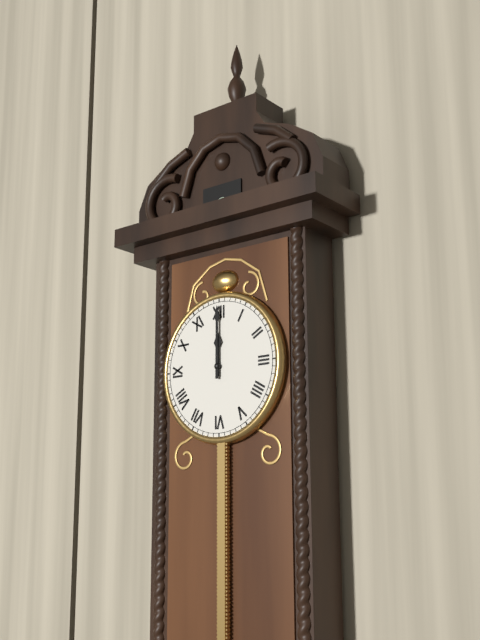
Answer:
12,00
